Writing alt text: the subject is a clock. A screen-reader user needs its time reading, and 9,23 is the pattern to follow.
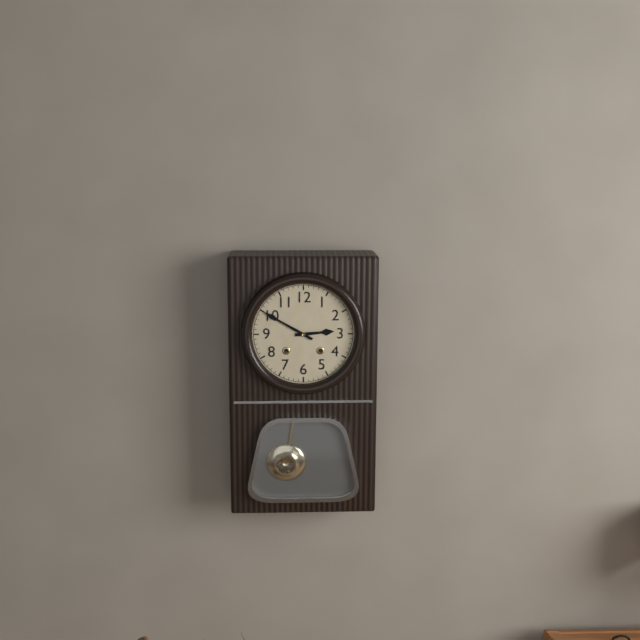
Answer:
2,50
